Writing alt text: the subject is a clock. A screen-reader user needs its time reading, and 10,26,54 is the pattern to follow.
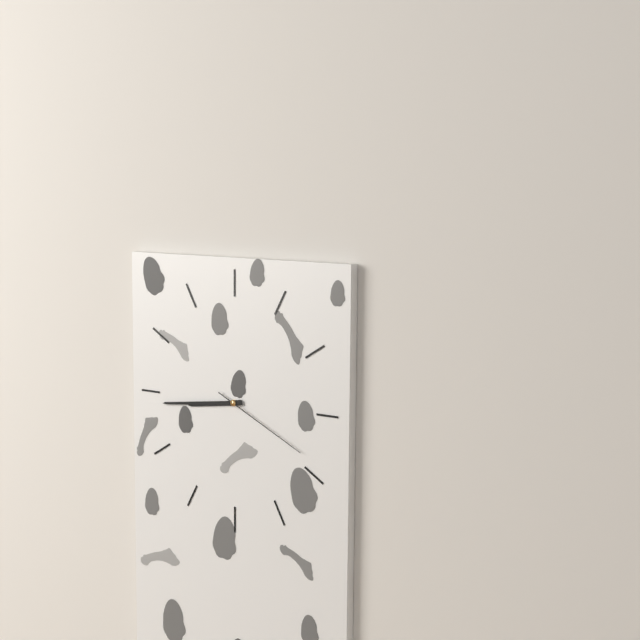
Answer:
8,44,19
